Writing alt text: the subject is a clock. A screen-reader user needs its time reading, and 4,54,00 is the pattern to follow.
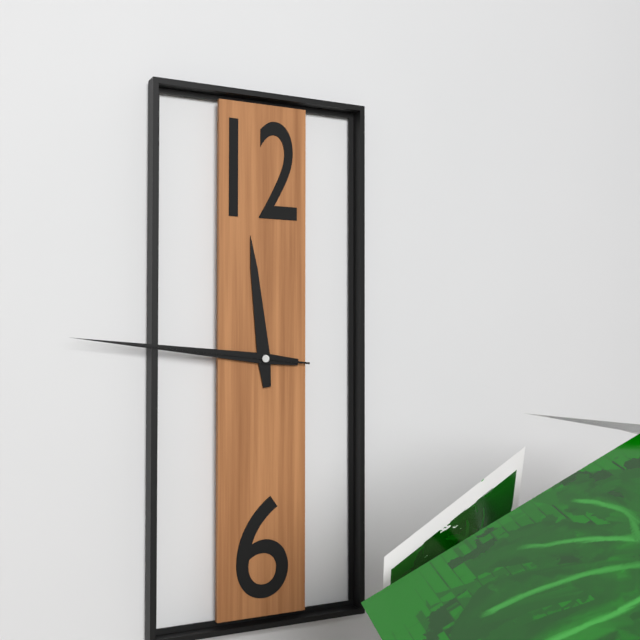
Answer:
11,46,46
